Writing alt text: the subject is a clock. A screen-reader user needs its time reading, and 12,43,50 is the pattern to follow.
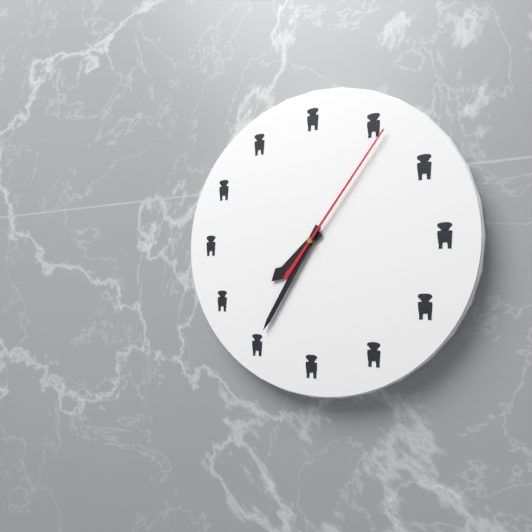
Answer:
7,35,06
